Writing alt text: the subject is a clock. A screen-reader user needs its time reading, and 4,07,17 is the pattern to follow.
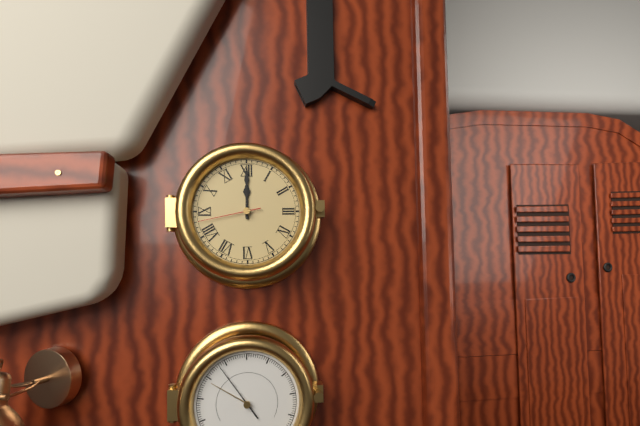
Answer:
12,00,43
